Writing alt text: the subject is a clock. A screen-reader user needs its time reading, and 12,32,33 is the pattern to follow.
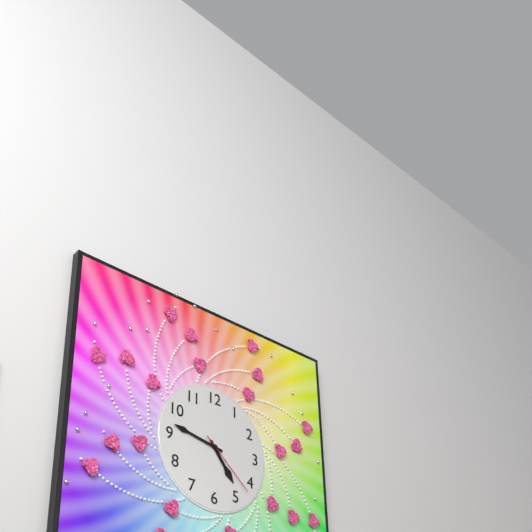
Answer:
4,47,22
